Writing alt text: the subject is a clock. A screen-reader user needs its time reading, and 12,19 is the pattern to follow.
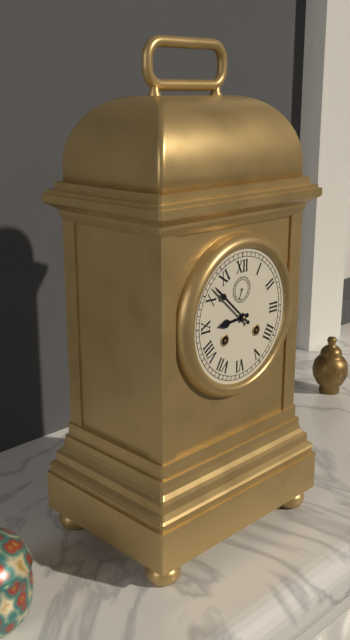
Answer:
8,52
